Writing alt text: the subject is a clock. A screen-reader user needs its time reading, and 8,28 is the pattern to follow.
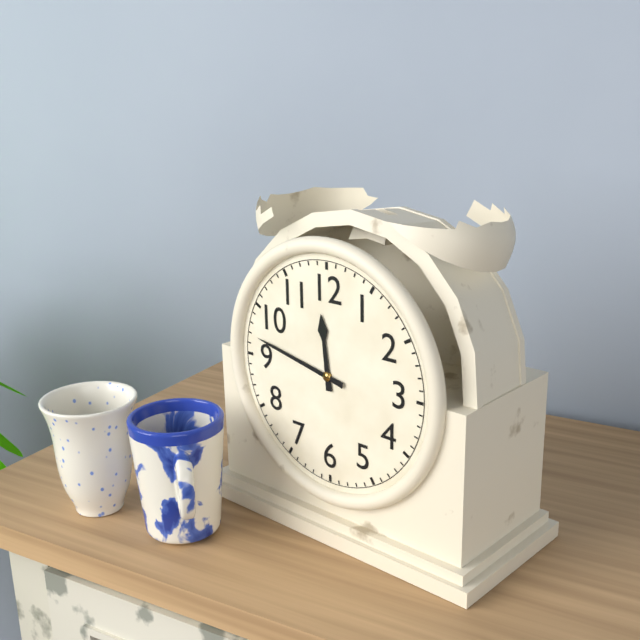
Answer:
11,47
